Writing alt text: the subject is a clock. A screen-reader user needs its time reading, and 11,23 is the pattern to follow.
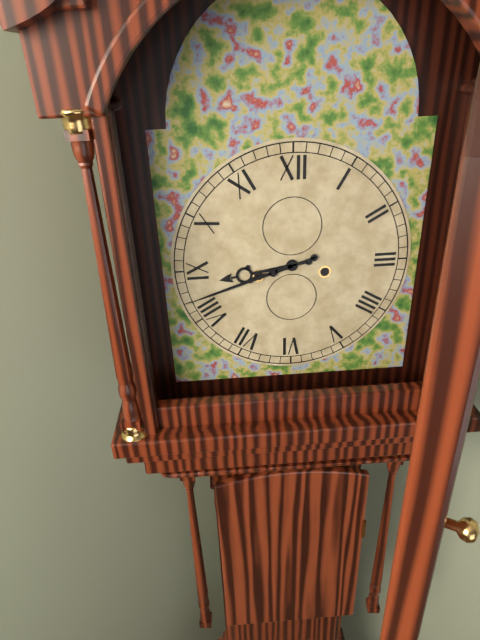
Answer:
8,42
